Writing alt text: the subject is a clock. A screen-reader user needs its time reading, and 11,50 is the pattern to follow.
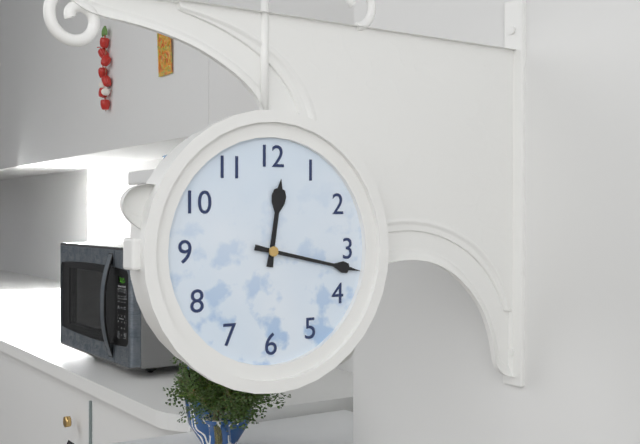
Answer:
12,17
